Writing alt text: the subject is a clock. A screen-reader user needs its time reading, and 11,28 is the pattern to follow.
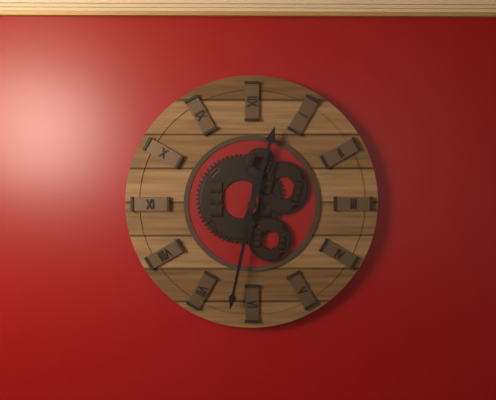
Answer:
12,32
